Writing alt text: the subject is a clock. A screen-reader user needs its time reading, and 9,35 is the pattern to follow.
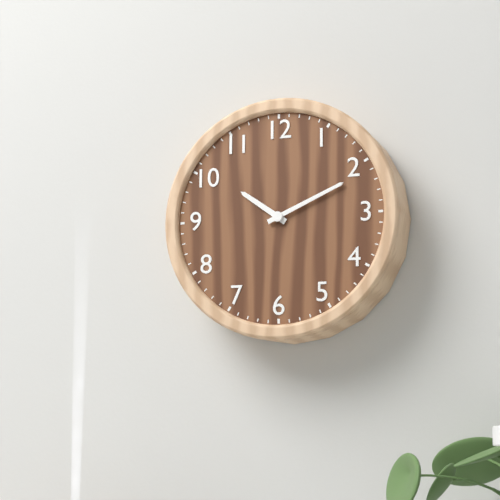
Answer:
10,11
